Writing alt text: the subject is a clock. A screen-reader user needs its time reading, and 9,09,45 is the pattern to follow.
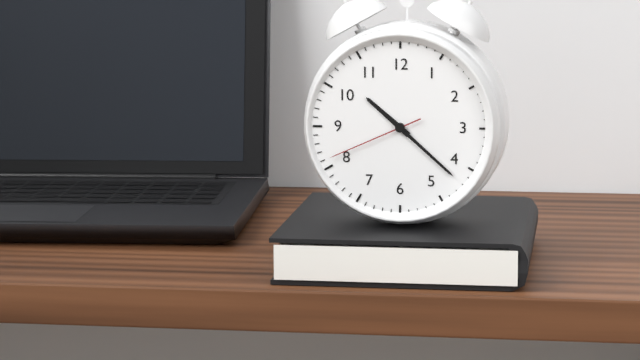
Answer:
10,22,41
